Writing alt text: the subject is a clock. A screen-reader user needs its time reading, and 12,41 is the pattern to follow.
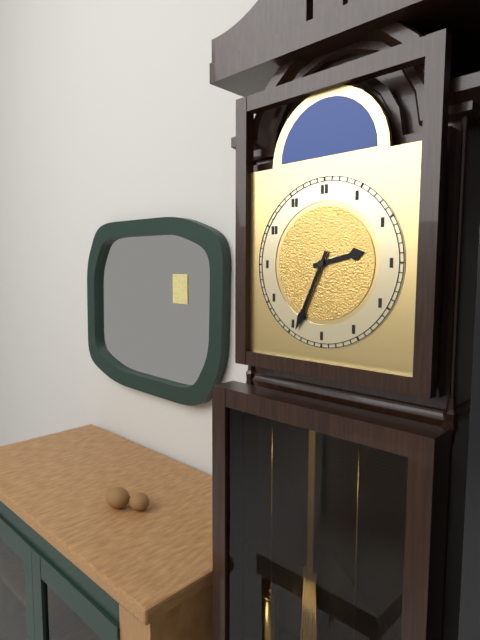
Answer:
2,34
